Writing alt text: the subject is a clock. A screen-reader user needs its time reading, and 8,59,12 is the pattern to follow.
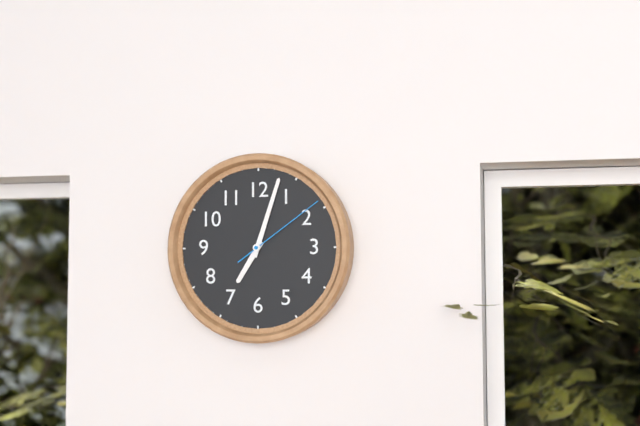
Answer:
7,03,09
